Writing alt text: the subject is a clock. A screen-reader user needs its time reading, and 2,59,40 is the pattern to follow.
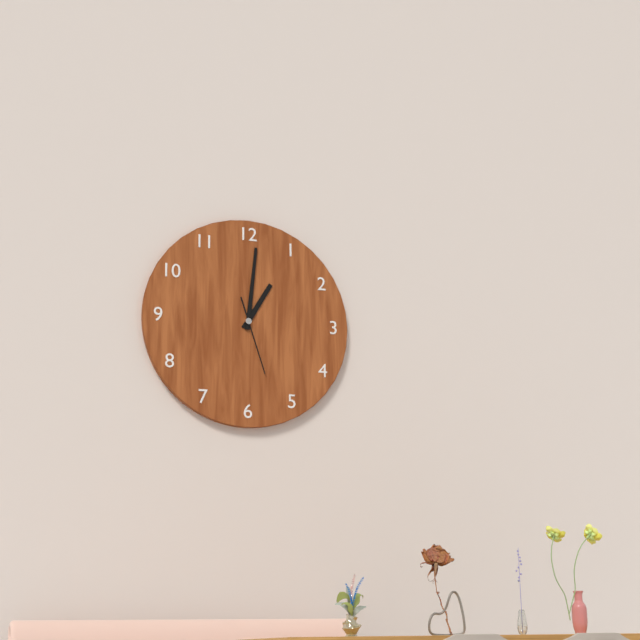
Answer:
1,01,27
